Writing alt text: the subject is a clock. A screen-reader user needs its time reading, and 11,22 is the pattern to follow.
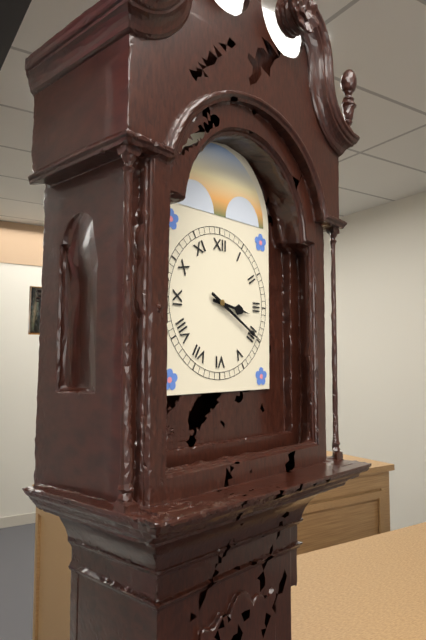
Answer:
3,20
